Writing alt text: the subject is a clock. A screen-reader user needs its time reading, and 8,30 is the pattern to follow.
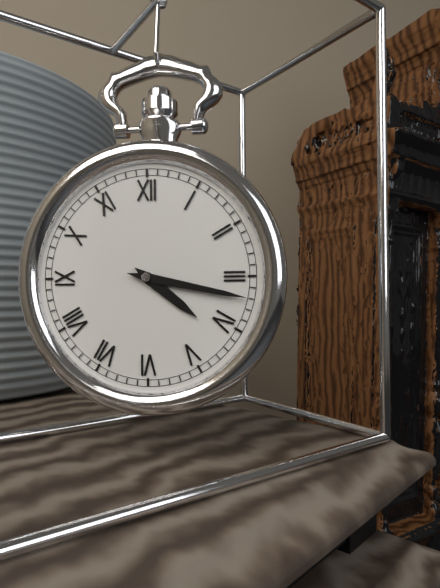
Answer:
4,17
